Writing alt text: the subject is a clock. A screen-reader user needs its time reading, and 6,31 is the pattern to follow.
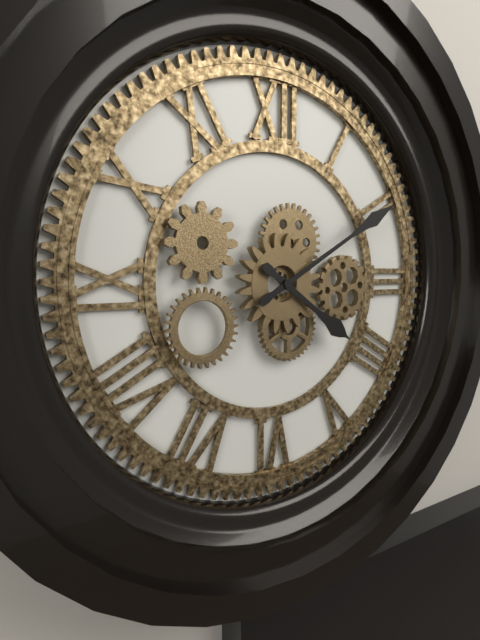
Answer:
4,10
